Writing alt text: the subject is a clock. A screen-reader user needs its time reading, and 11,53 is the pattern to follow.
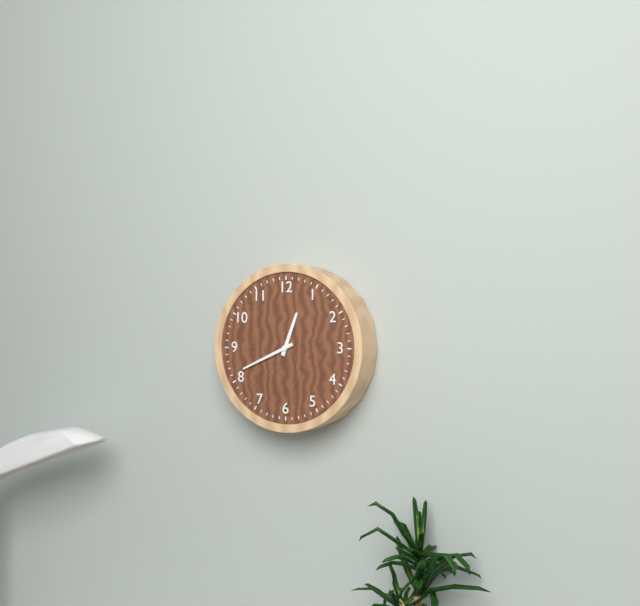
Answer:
12,41
